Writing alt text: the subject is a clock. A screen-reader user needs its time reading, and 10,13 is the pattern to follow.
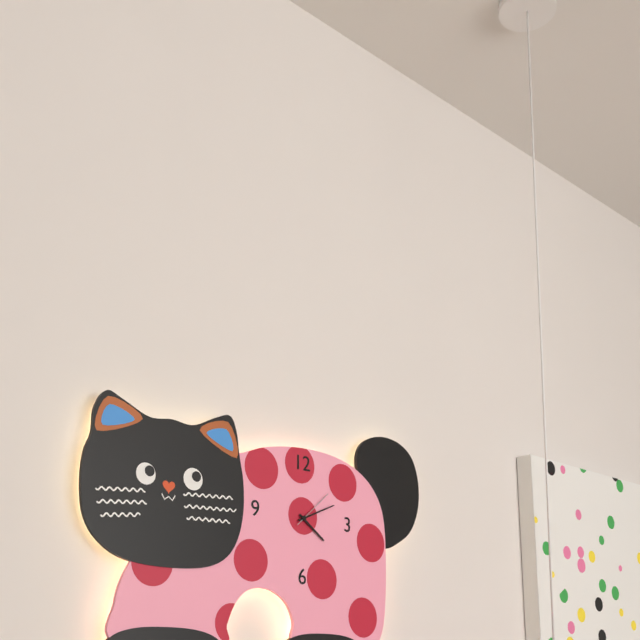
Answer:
4,11
